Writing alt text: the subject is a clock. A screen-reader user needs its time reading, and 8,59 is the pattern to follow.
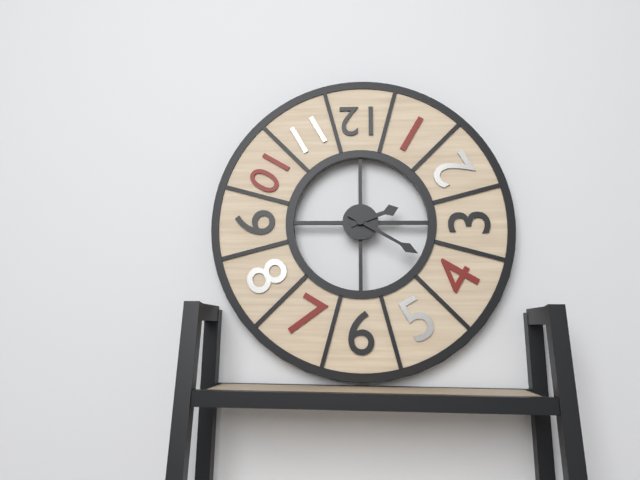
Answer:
2,20
